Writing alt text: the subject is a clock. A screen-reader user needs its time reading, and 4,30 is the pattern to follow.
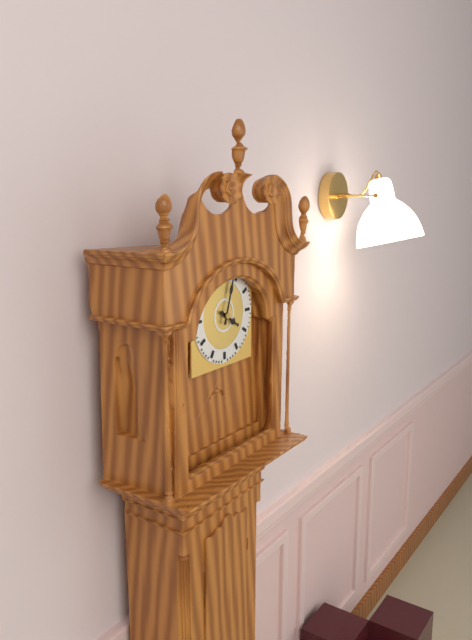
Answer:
4,03
